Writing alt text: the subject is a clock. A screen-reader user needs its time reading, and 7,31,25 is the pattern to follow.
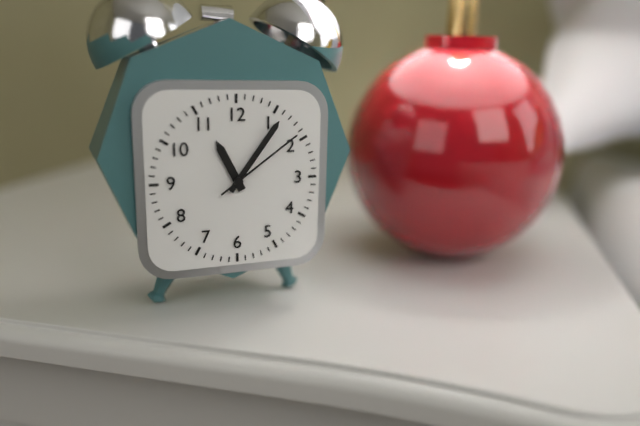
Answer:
11,06,09
